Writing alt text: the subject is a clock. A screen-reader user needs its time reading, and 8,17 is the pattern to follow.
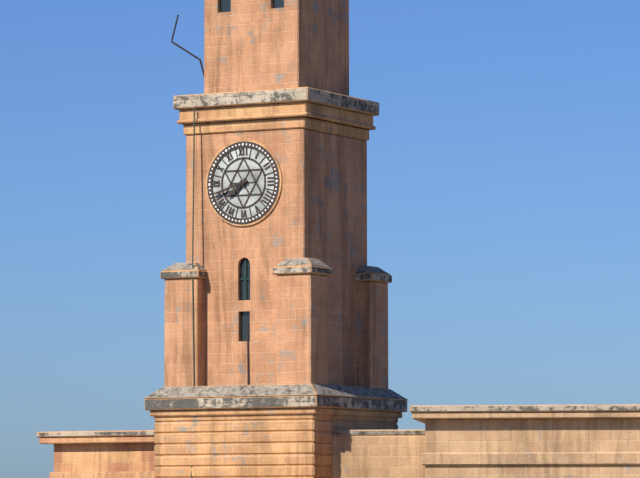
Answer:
7,42
